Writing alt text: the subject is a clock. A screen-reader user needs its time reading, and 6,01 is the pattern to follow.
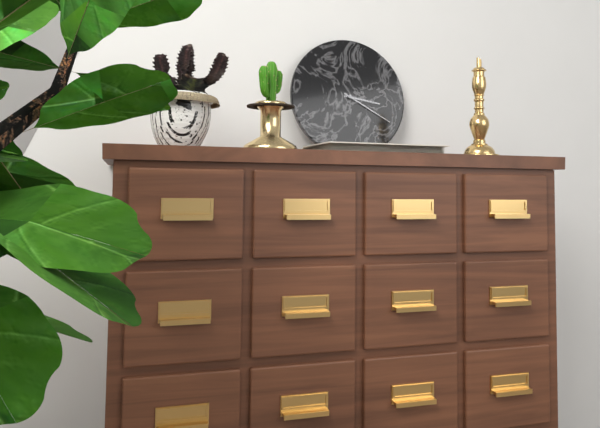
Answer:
3,20
